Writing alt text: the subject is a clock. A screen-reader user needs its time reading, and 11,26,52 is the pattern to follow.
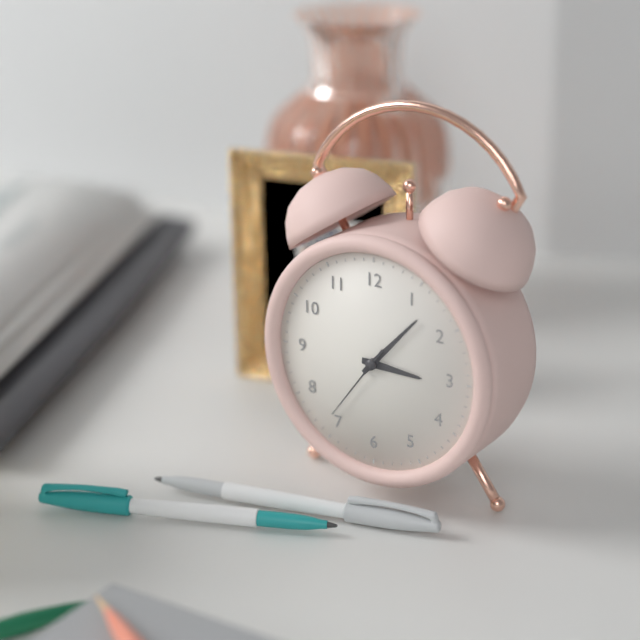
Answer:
3,07,36
